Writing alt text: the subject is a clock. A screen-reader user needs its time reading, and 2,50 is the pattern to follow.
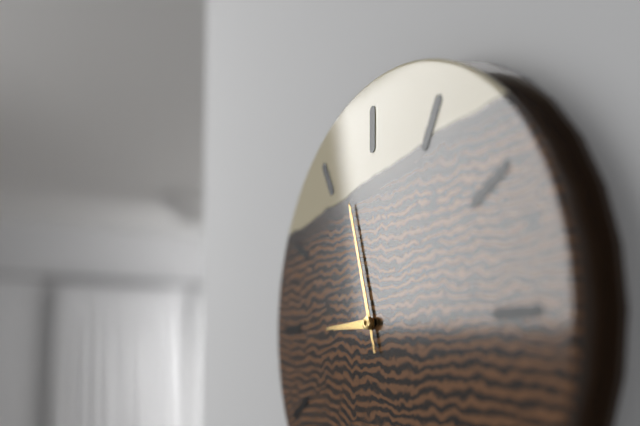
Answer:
8,57
